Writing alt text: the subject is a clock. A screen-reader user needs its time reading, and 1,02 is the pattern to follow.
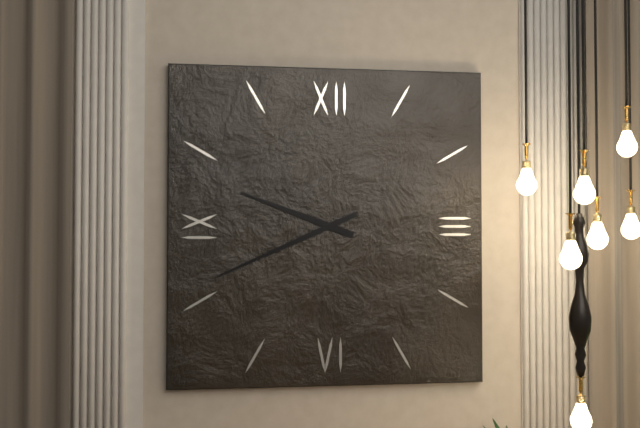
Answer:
9,41
